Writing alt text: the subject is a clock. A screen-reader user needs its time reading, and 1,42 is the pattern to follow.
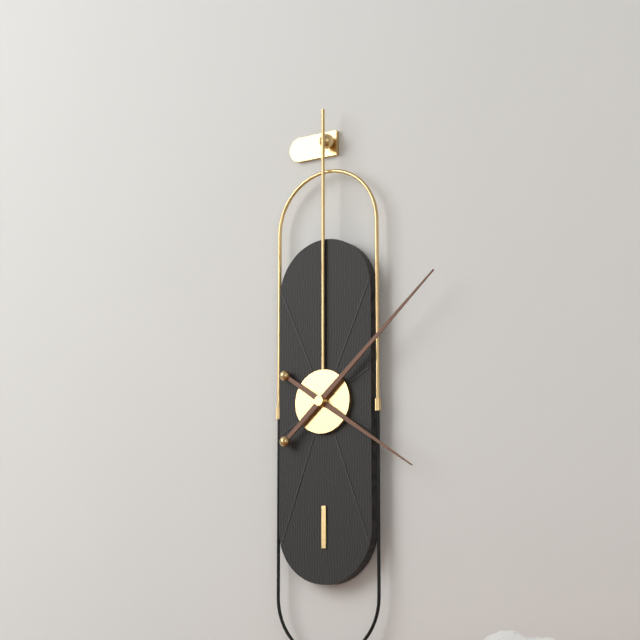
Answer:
4,08
